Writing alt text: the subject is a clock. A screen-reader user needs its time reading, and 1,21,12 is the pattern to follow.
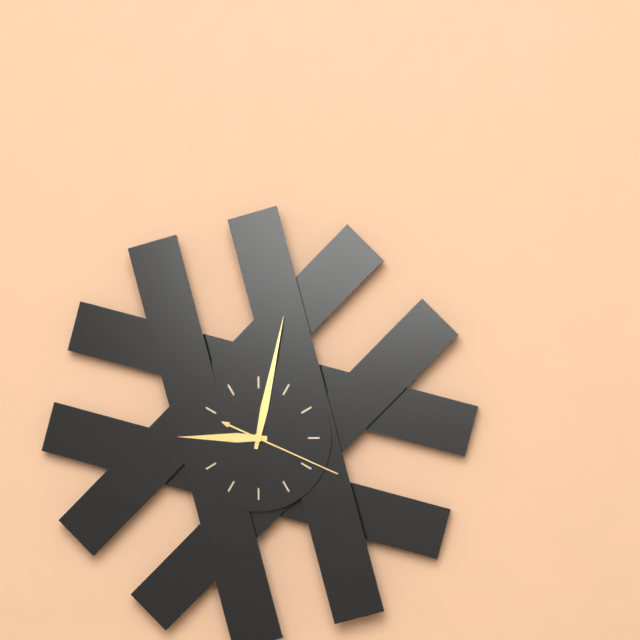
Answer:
9,02,19
